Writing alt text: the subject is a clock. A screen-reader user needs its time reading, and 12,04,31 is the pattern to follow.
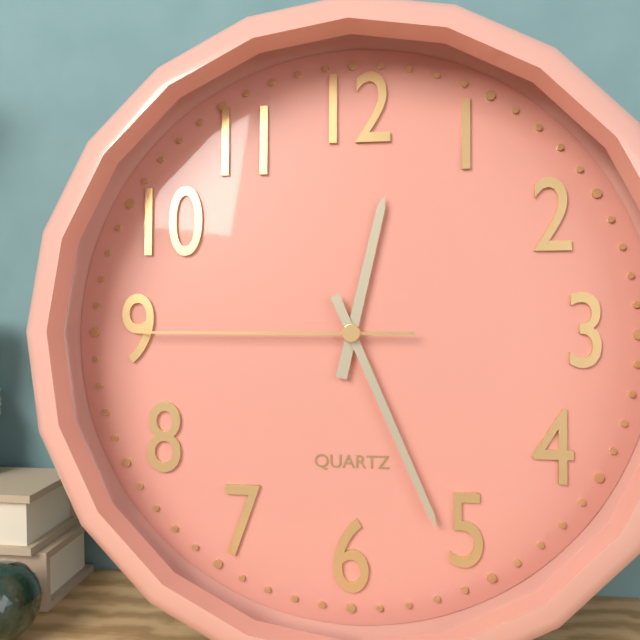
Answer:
12,26,45
